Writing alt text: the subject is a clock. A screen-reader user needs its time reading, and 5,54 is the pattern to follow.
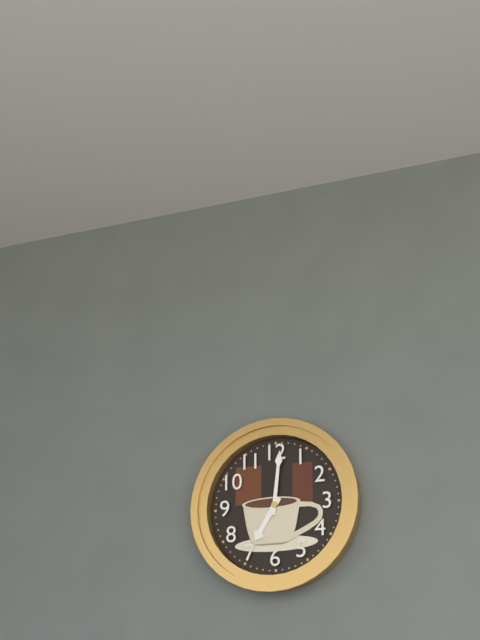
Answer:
7,01
